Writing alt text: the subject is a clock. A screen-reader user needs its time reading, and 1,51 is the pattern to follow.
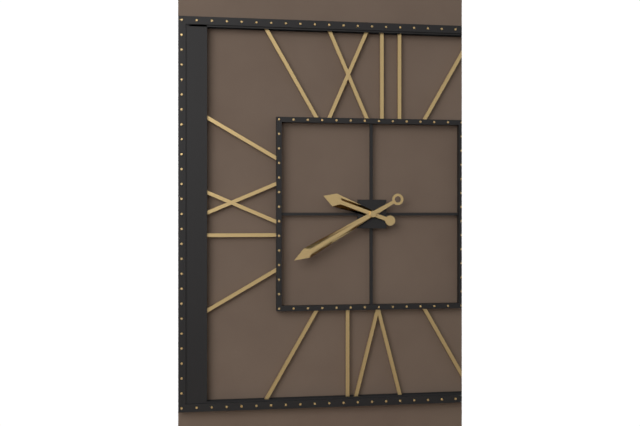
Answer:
9,40
